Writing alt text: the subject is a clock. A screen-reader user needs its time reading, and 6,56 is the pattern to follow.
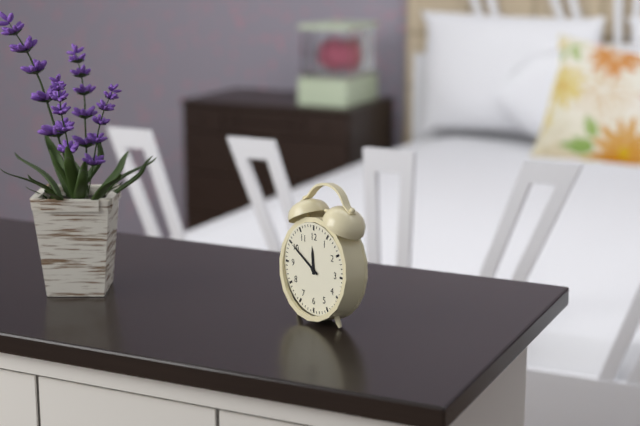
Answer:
11,50
